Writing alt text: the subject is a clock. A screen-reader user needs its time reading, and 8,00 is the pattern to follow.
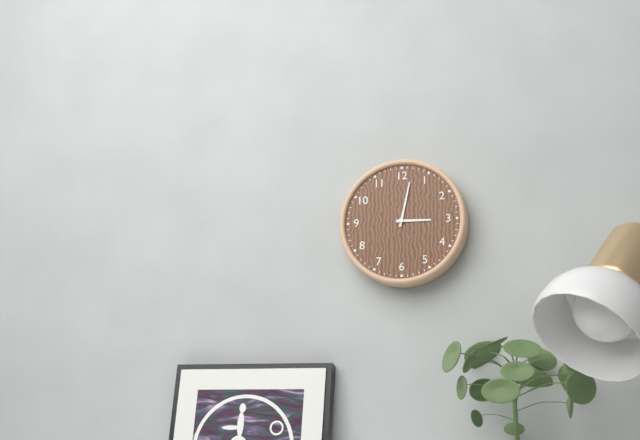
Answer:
3,02
